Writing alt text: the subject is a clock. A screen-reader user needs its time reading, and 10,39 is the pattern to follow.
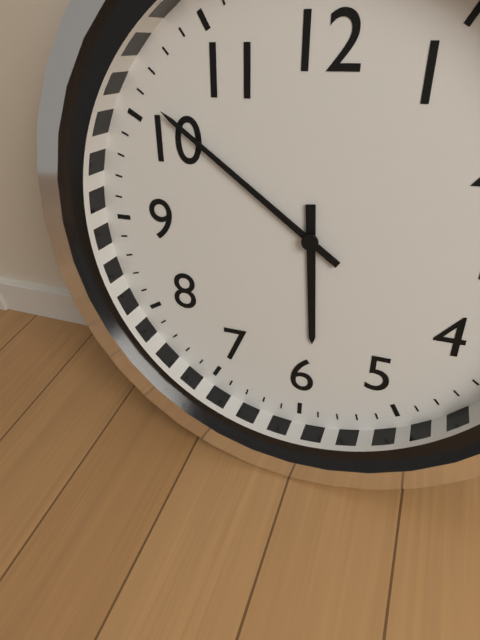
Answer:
5,51
